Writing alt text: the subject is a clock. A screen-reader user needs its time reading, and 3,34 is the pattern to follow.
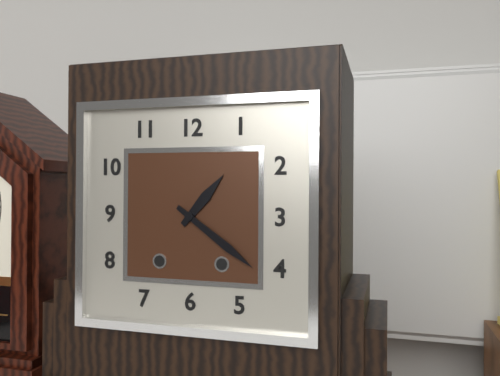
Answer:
1,21
